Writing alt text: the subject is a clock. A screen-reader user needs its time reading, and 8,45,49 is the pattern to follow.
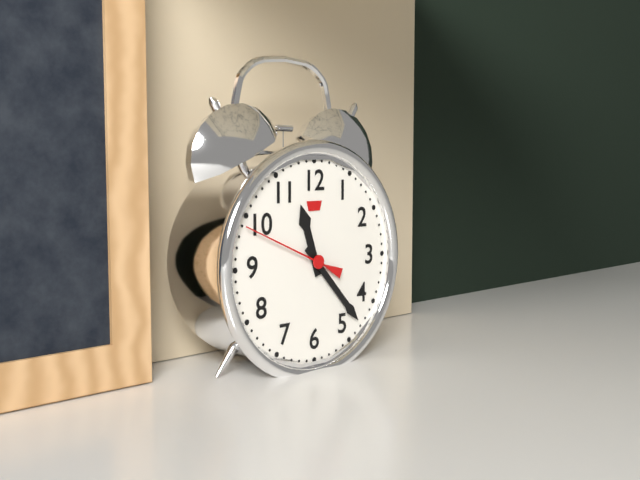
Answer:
11,23,49
